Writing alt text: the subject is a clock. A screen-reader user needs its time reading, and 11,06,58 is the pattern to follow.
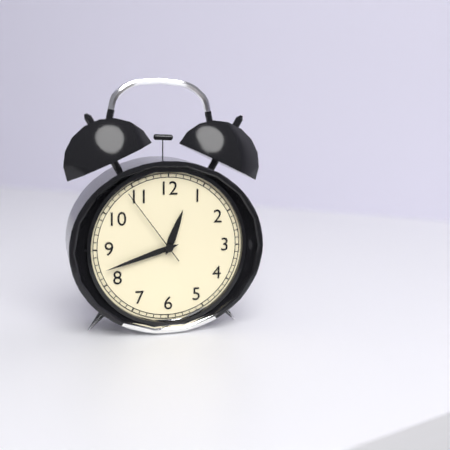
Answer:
12,42,54
